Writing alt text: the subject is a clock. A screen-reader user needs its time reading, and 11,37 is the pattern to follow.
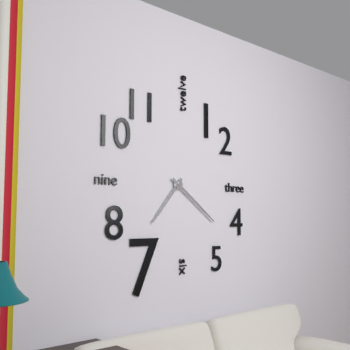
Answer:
7,21
